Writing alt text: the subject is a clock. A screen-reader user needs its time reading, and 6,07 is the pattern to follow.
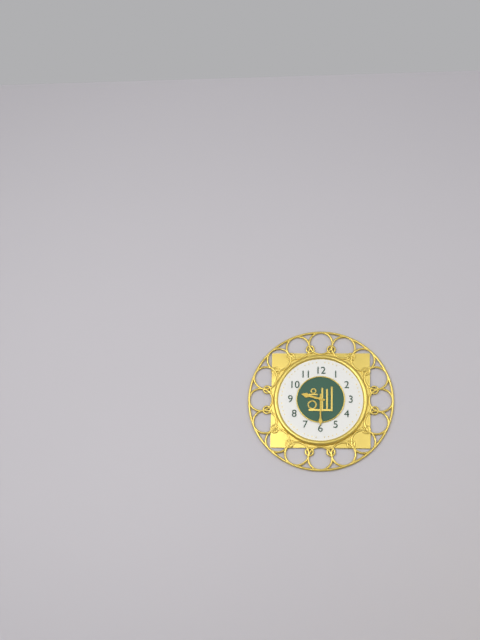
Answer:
9,30
